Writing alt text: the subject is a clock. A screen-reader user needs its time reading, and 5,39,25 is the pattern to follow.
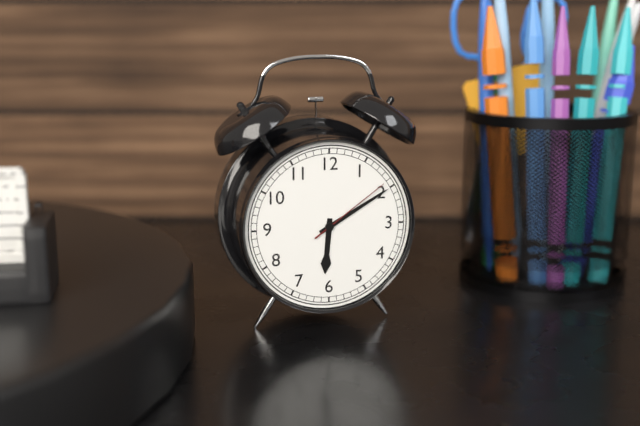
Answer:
6,10,09
